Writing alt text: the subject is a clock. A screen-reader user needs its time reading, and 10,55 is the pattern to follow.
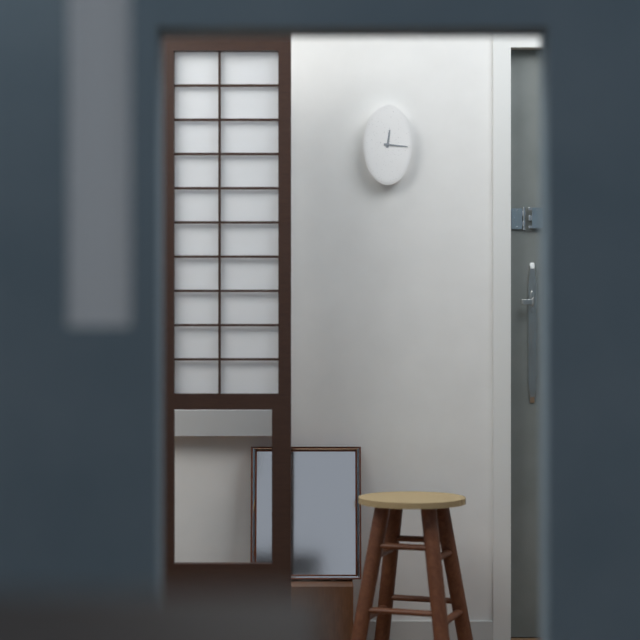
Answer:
12,16
